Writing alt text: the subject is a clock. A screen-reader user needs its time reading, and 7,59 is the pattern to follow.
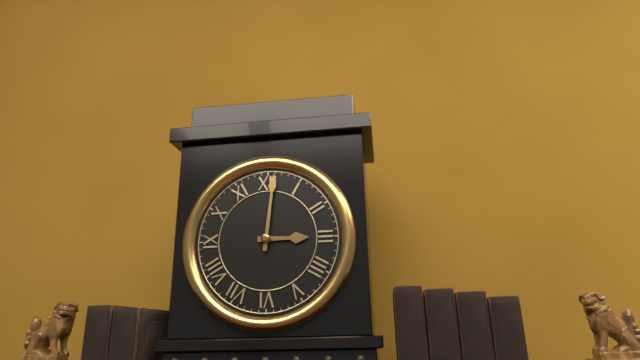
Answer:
3,01
